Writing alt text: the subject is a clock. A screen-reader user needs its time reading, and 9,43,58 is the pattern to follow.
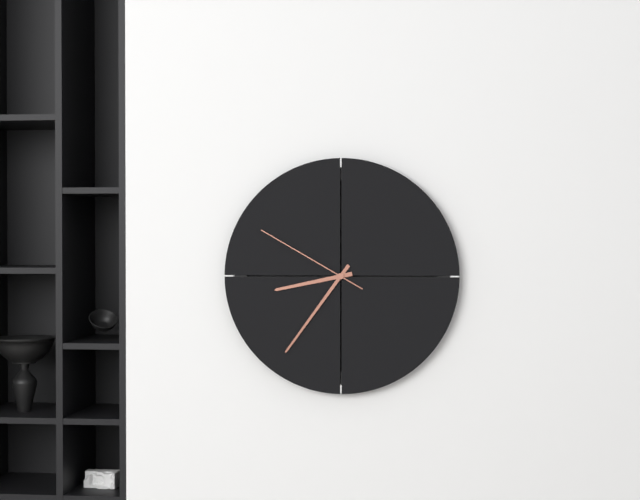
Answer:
8,36,50
